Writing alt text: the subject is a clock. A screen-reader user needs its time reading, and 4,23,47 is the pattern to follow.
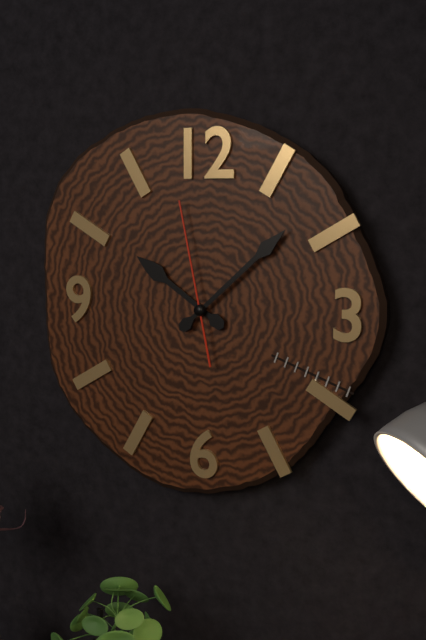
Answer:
10,08,58
